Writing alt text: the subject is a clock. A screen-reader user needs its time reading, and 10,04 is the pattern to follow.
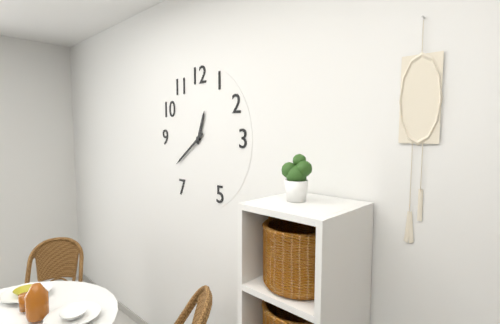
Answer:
12,39
